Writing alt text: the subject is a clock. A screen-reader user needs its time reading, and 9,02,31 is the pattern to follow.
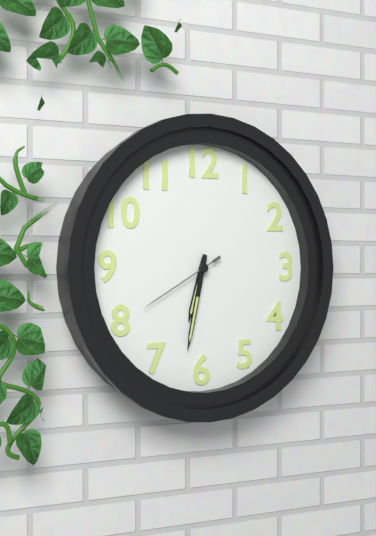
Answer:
6,32,40
